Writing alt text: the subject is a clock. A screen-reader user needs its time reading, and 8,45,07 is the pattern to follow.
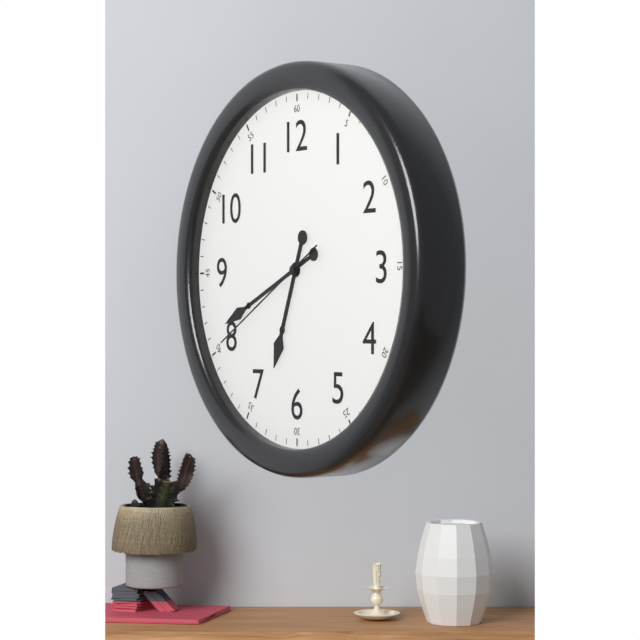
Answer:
6,41,40
